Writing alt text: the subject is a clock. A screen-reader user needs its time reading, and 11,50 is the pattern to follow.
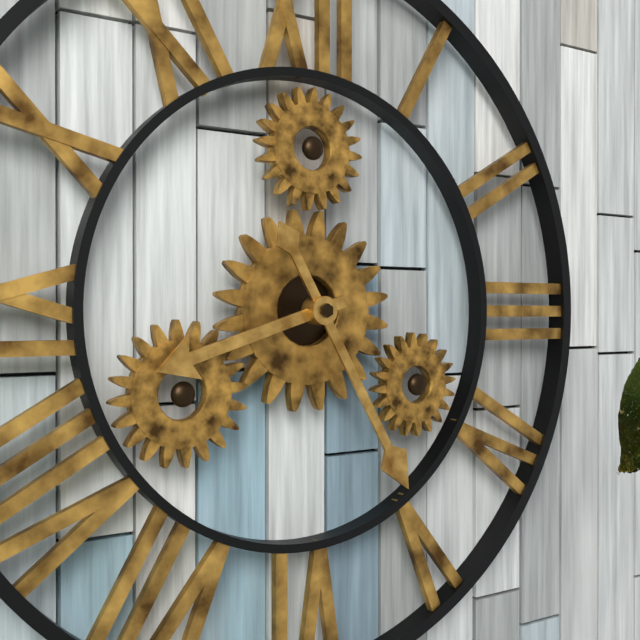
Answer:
8,25
